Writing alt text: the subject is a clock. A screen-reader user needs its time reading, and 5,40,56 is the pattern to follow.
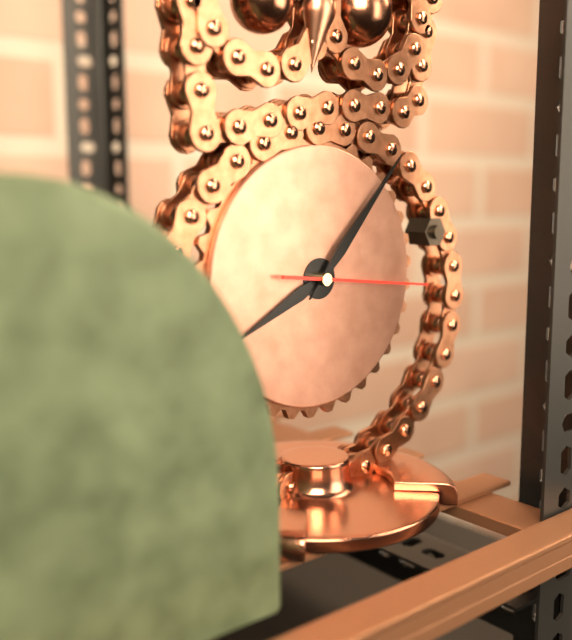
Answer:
8,07,16
